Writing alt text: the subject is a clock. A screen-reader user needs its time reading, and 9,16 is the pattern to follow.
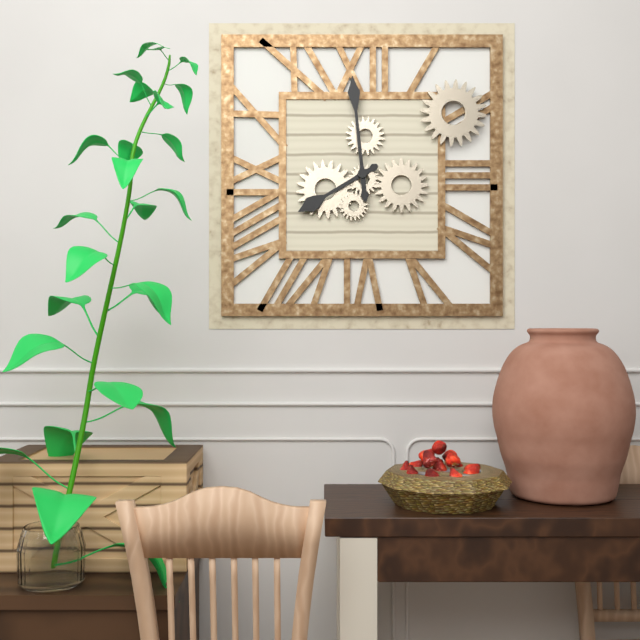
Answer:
7,59
